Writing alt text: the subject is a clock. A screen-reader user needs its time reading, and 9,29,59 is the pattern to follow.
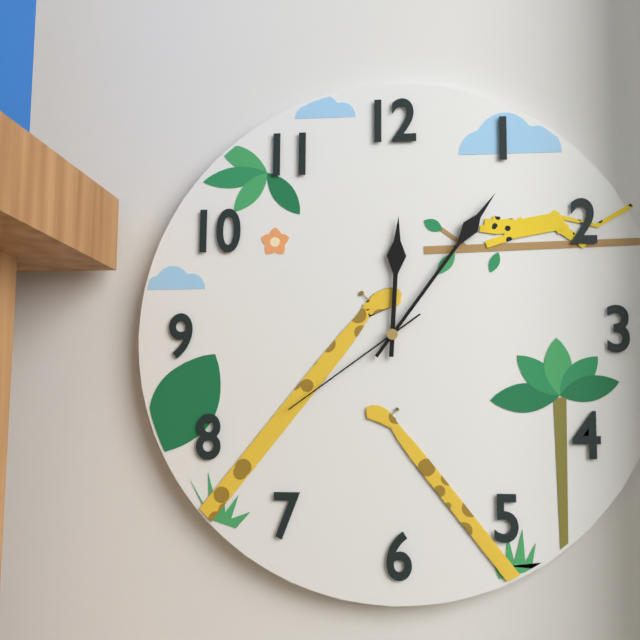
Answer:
12,06,39
